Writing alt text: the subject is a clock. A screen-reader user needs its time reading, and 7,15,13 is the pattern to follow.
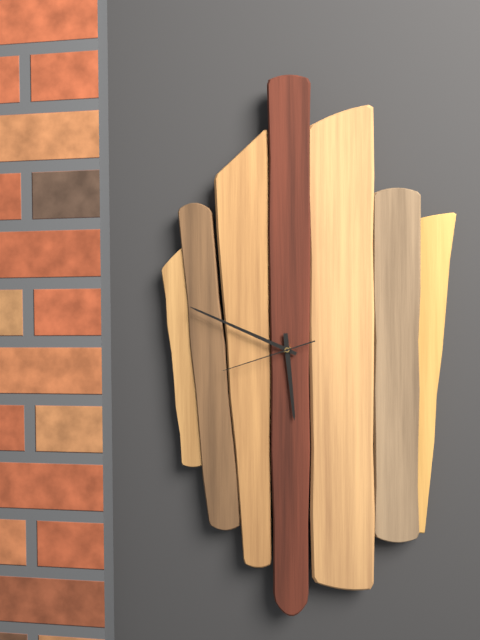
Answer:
5,49,42
